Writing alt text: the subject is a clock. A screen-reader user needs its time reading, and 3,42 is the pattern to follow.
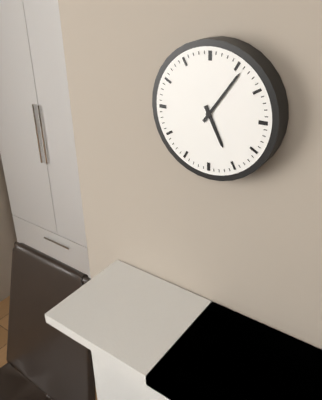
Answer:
5,06
